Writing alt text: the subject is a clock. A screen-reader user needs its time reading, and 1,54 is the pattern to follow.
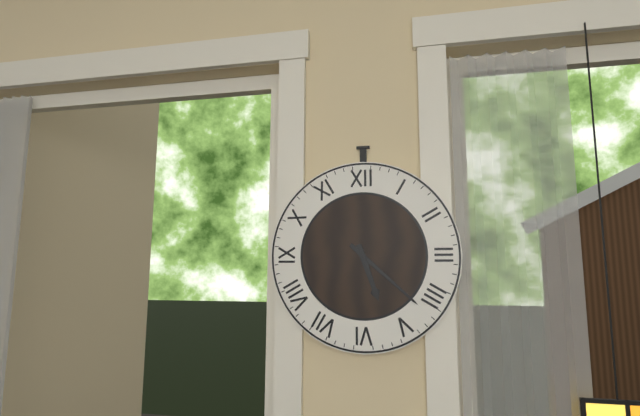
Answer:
5,22
